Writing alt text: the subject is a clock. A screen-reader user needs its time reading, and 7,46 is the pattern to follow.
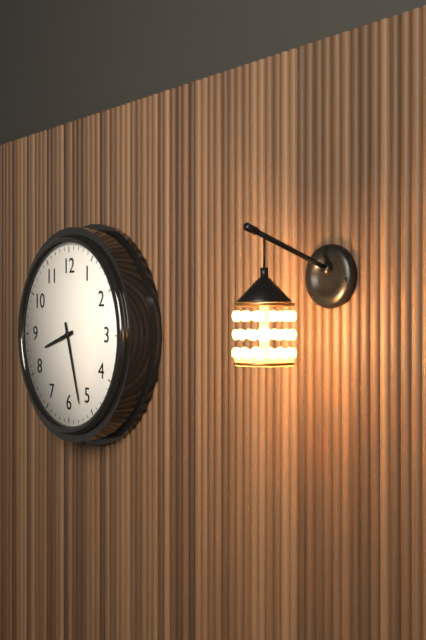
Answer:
8,27
